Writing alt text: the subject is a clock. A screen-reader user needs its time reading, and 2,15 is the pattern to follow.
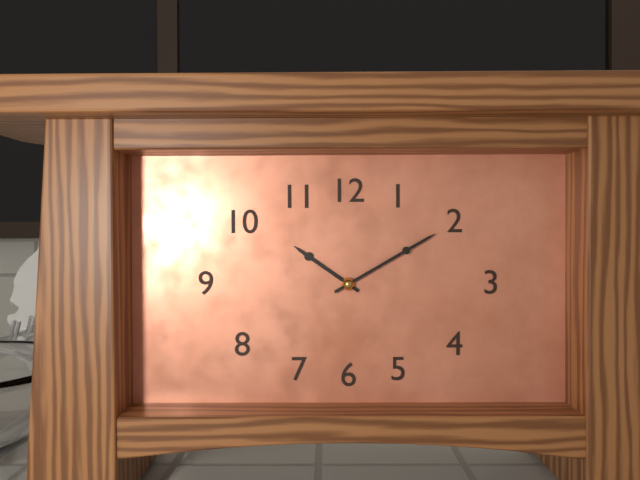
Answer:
10,10
